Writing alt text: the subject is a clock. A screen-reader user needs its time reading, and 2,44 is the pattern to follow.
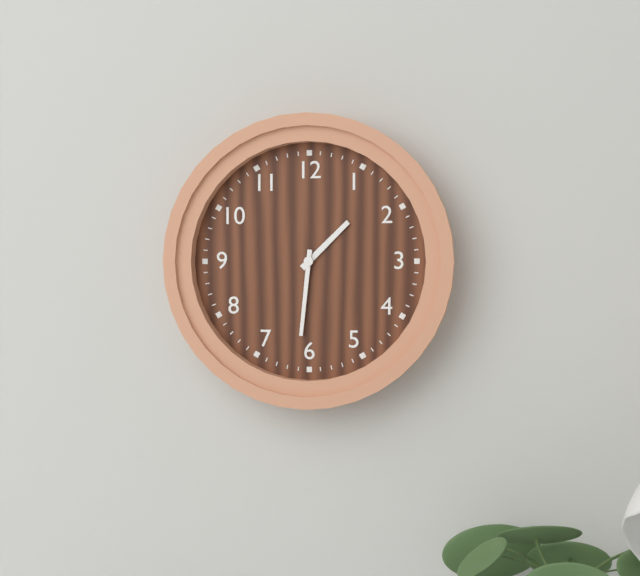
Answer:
1,31
